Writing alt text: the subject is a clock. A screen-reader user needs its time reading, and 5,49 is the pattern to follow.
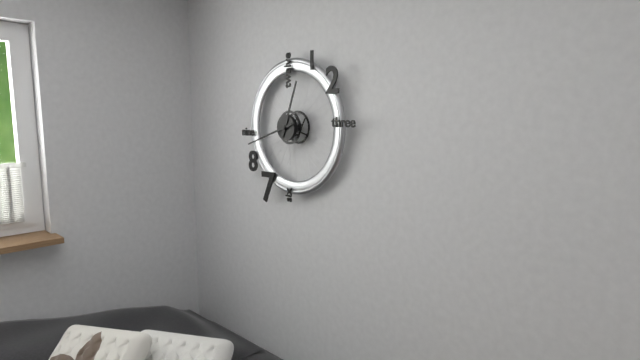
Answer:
12,42
